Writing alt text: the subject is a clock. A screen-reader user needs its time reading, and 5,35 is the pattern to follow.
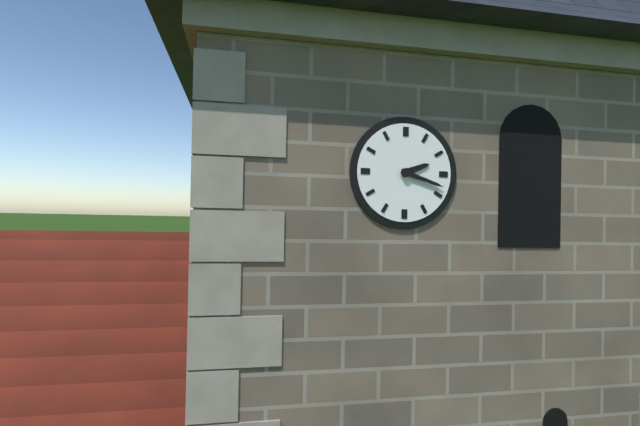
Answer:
2,18
